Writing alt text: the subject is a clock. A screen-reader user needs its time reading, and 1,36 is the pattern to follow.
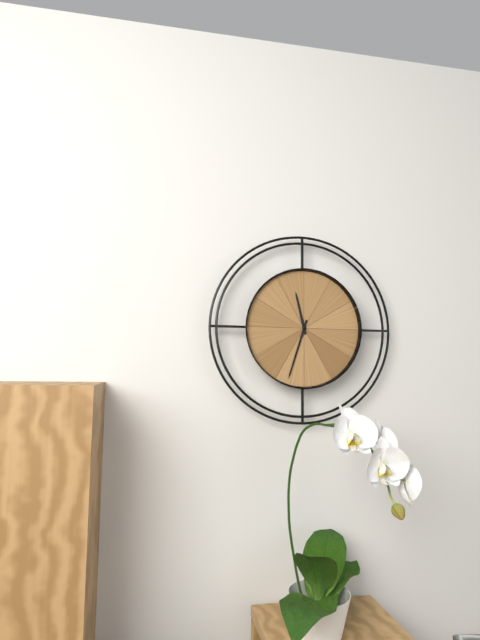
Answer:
11,33
